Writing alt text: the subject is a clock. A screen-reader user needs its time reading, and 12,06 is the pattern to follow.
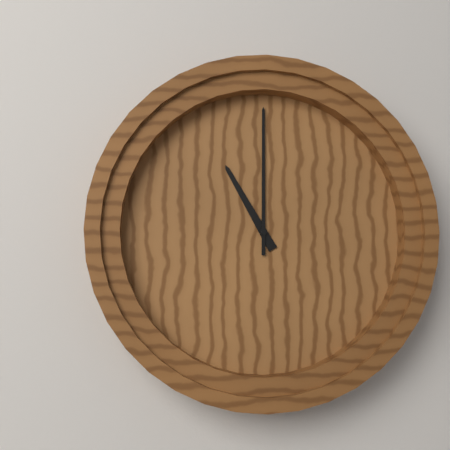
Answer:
11,00
